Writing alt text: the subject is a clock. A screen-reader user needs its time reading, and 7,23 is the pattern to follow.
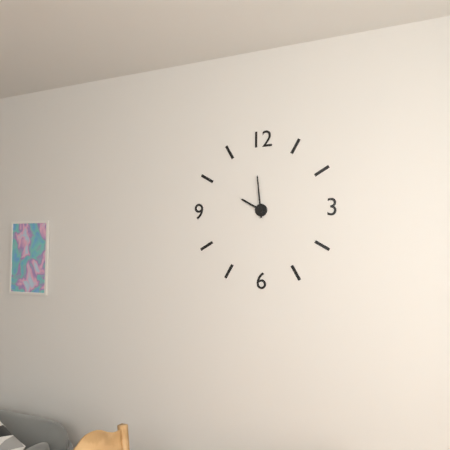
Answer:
9,59
